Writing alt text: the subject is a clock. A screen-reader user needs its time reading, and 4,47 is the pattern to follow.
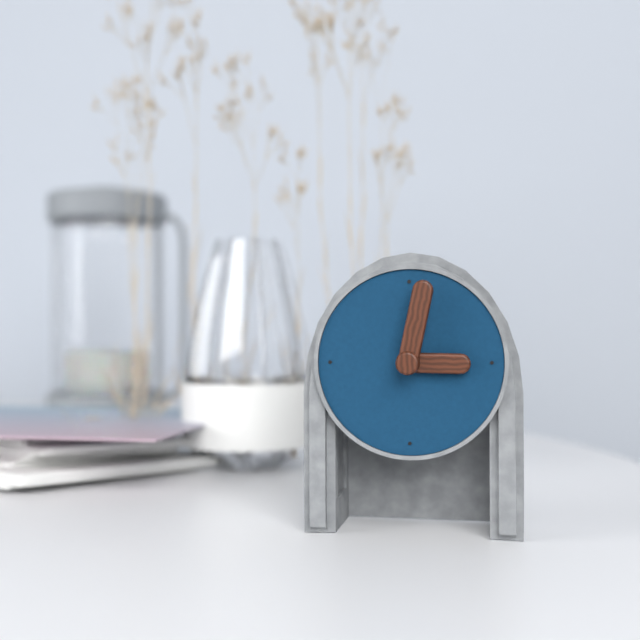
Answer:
3,02
